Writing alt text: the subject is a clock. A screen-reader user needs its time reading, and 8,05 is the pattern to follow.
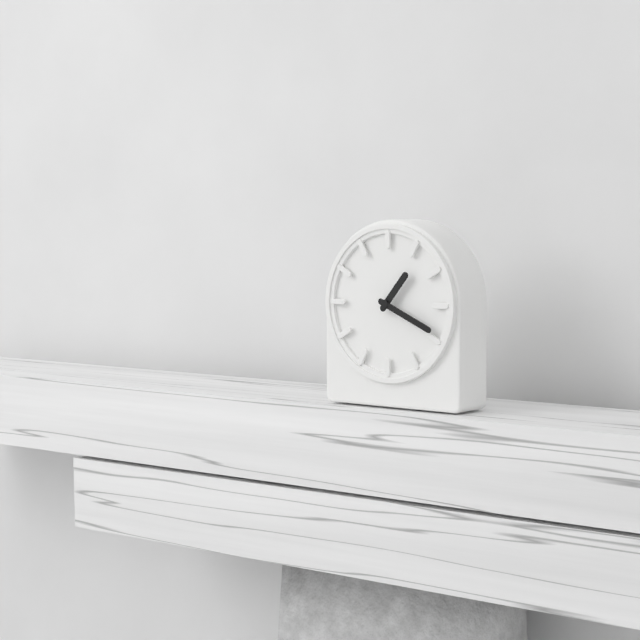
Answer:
1,19
